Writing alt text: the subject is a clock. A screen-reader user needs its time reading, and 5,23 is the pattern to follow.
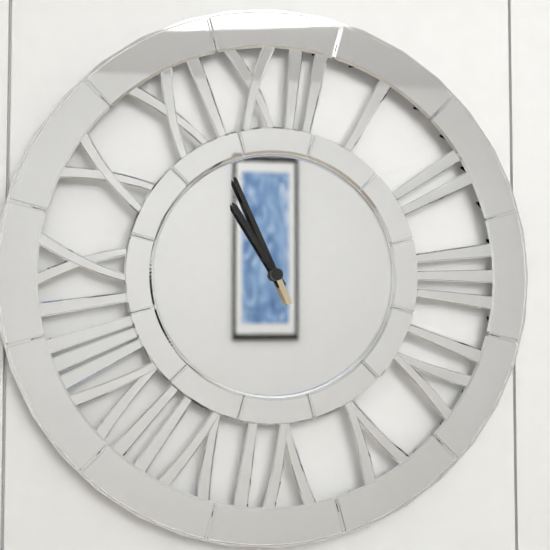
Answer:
10,56
